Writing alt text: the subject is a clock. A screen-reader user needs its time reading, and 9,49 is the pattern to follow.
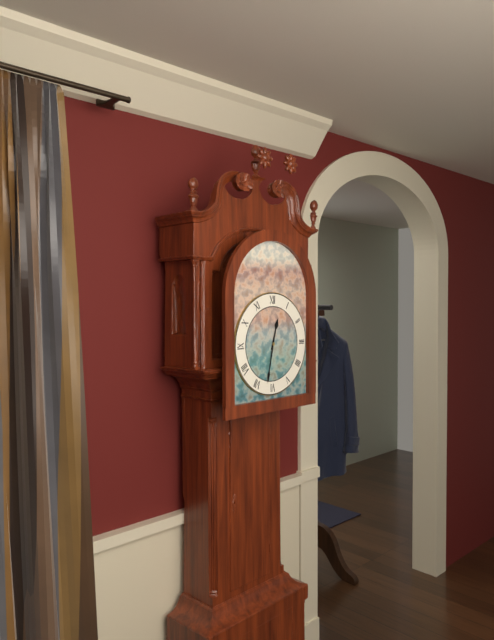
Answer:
12,32
